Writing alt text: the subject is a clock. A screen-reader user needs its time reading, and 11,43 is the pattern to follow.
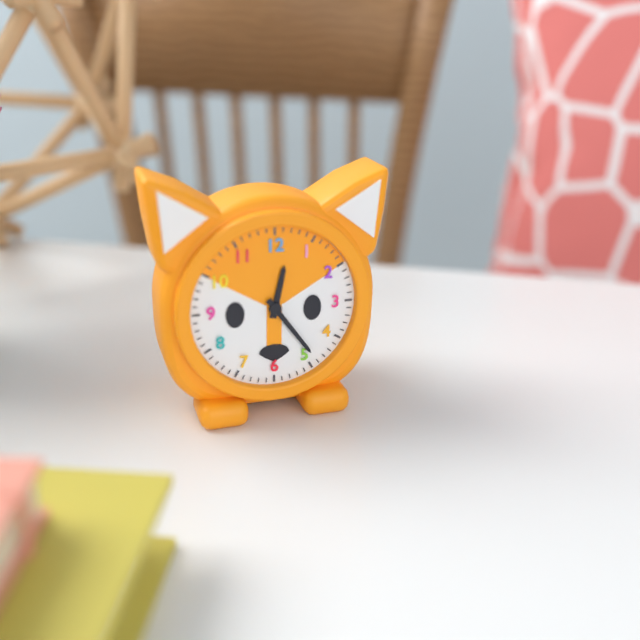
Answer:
12,24
